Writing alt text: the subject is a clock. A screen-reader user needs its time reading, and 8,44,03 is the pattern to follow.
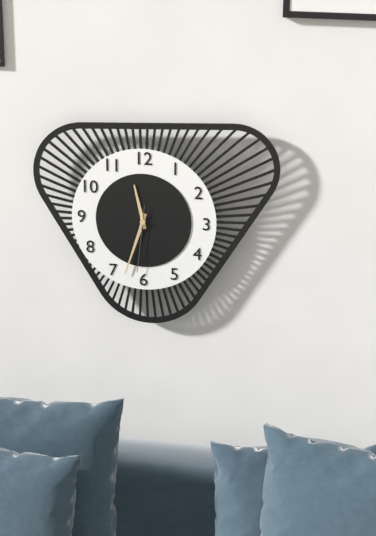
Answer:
11,33,31
